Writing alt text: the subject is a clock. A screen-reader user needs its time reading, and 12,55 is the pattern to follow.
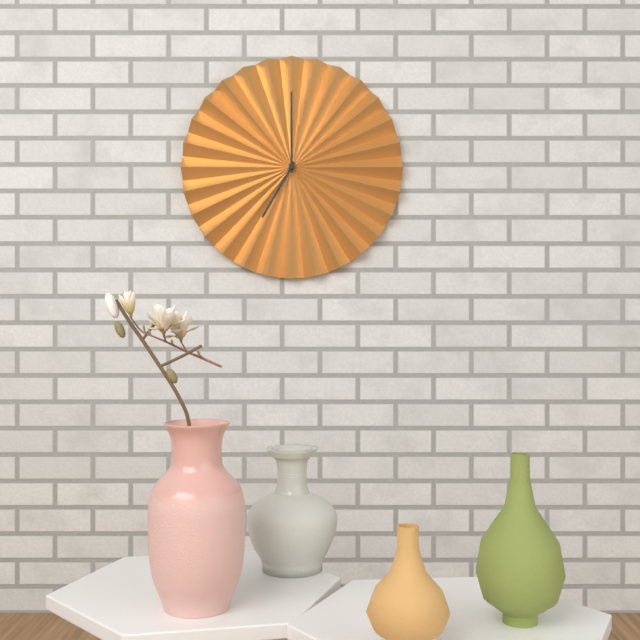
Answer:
7,00
